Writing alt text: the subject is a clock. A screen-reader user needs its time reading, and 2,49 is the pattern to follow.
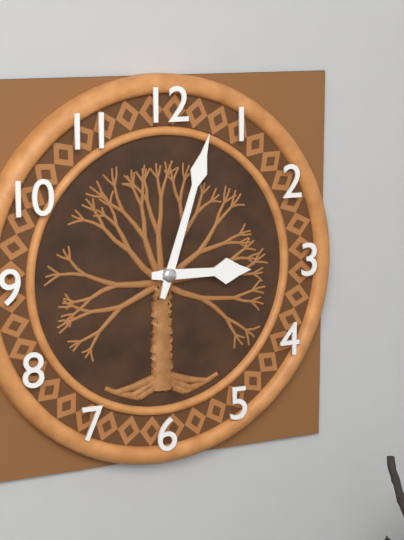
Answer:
3,03
